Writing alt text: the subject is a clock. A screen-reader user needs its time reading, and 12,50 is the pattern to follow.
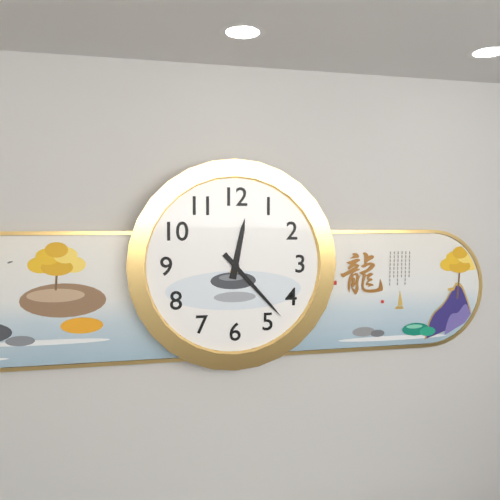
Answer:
12,23
